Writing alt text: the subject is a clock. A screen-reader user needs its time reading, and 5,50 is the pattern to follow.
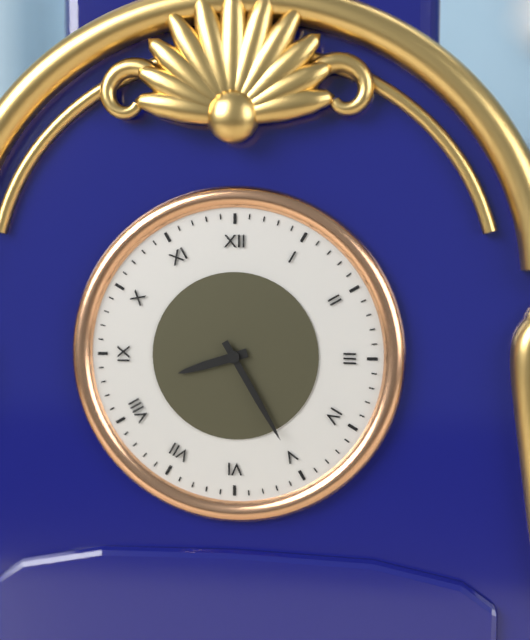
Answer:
8,25
